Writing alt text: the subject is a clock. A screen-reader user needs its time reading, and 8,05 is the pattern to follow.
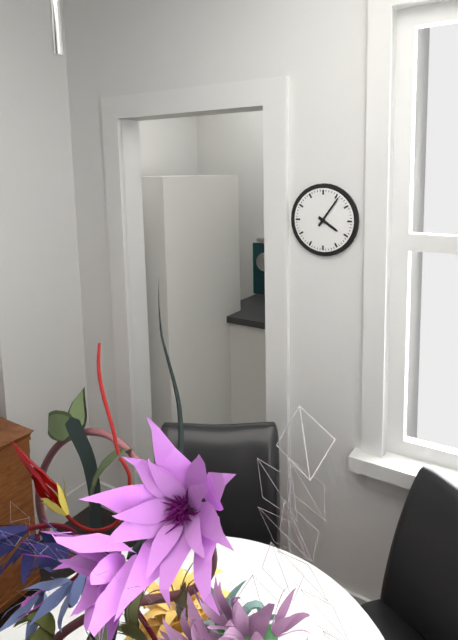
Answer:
4,06
